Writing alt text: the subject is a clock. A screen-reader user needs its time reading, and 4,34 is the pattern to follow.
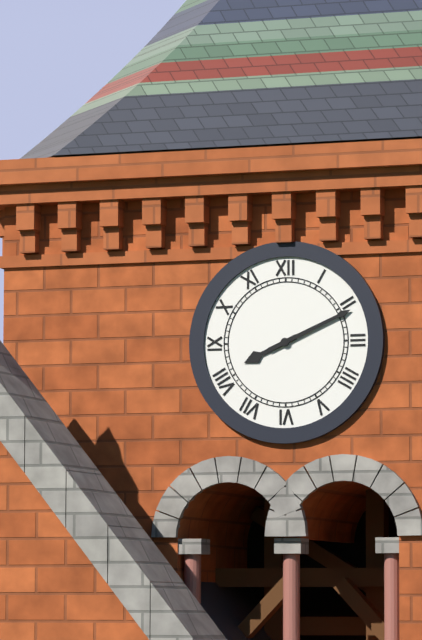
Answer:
8,11
